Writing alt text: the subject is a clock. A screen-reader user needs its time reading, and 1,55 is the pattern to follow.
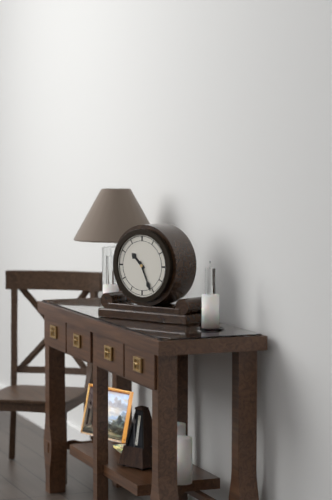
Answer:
10,26
